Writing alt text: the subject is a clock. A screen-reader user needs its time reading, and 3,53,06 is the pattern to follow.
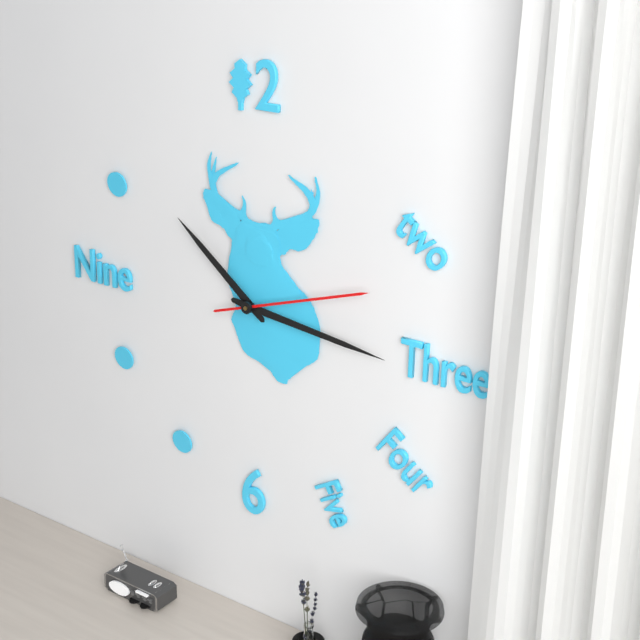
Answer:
10,16,12
